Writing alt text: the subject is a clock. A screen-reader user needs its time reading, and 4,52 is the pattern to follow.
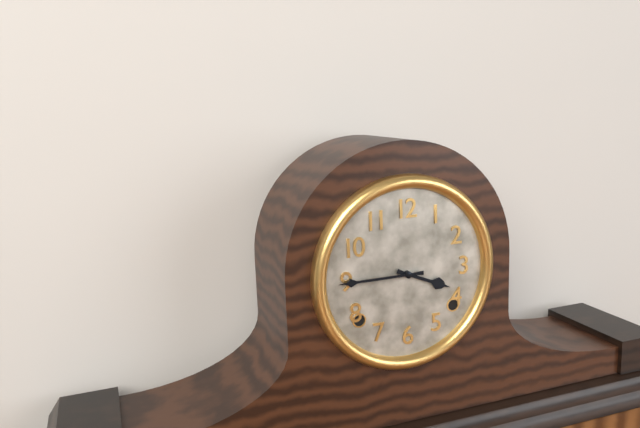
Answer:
3,45
